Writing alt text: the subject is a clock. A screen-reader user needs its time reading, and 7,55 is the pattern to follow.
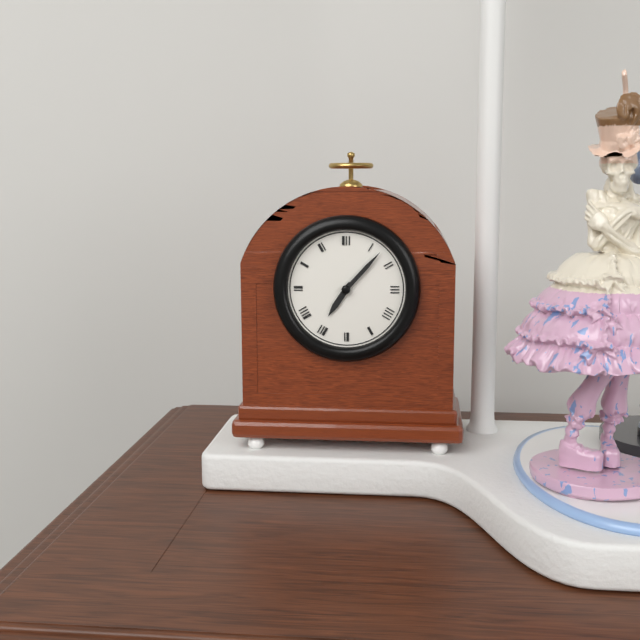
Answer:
7,07
